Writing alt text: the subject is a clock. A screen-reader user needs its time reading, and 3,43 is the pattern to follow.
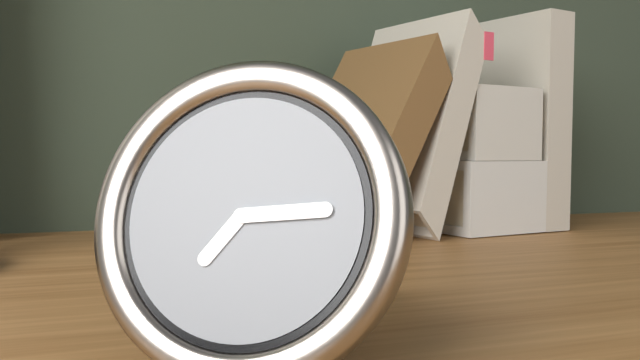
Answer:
7,14
